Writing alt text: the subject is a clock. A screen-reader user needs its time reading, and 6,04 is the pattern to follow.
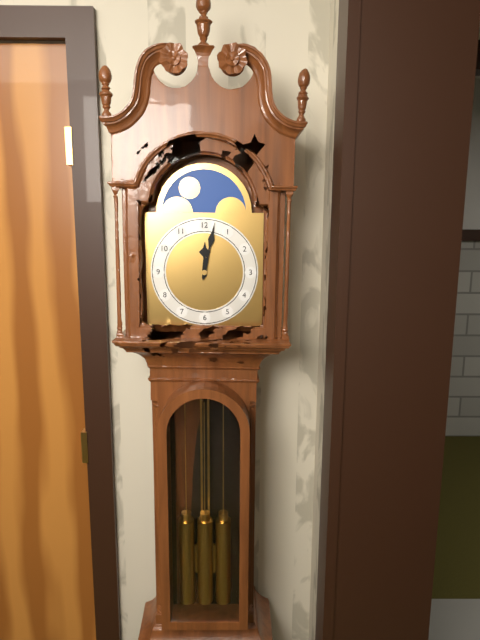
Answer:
12,02
